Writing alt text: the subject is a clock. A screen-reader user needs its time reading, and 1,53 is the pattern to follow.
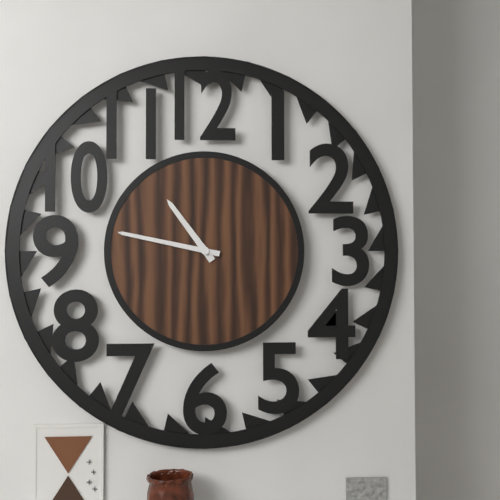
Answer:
10,47
